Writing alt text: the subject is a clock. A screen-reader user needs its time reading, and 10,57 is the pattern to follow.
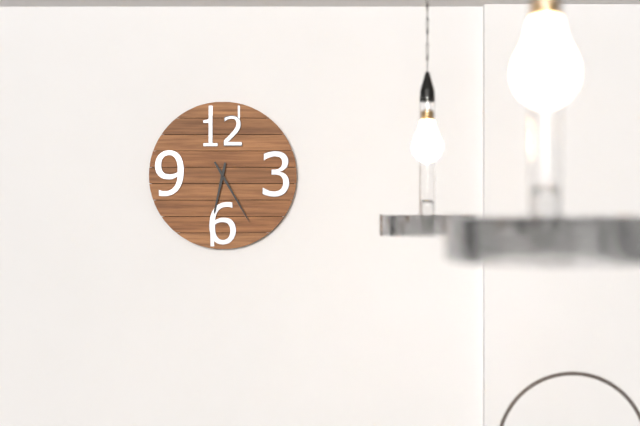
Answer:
6,25
